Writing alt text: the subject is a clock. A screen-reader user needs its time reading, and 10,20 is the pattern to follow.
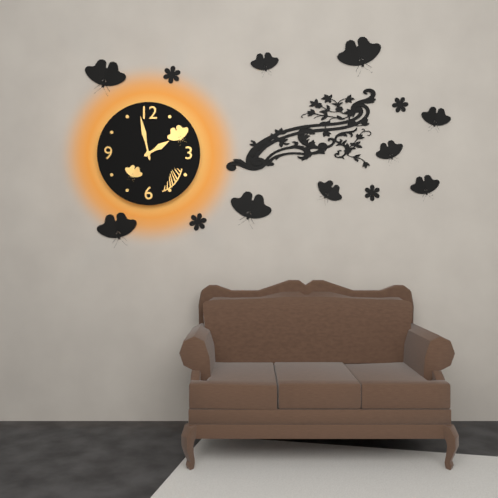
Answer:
1,58
